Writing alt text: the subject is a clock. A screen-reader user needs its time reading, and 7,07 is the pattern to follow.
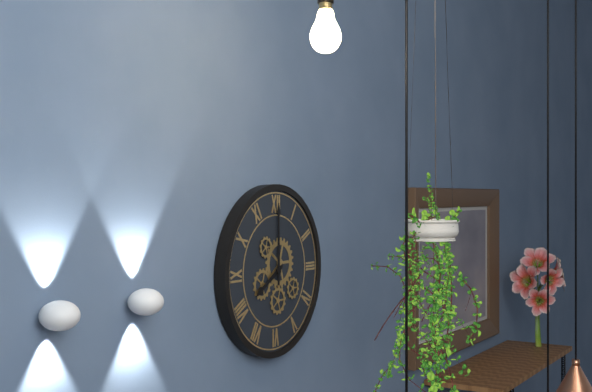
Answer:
8,00
